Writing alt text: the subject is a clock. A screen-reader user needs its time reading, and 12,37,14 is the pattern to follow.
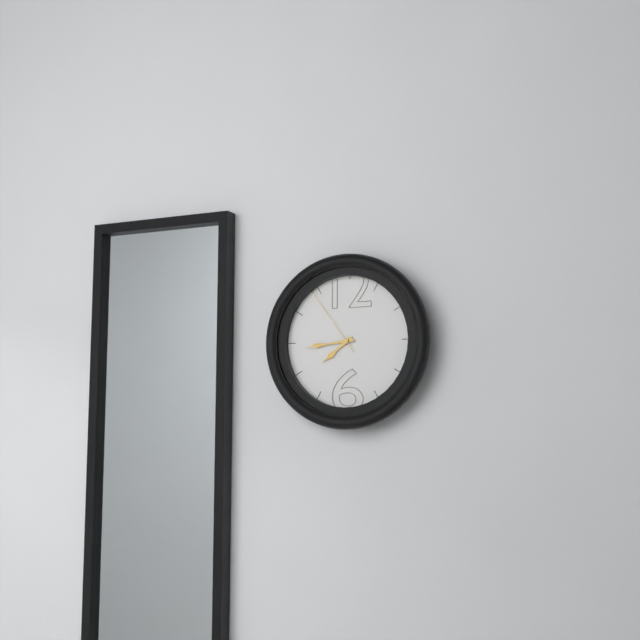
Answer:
7,44,54
